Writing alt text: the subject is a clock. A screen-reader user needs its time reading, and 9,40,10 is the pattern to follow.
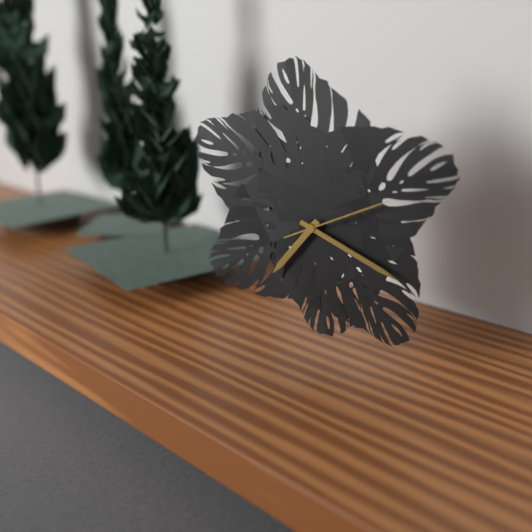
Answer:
7,19,11
